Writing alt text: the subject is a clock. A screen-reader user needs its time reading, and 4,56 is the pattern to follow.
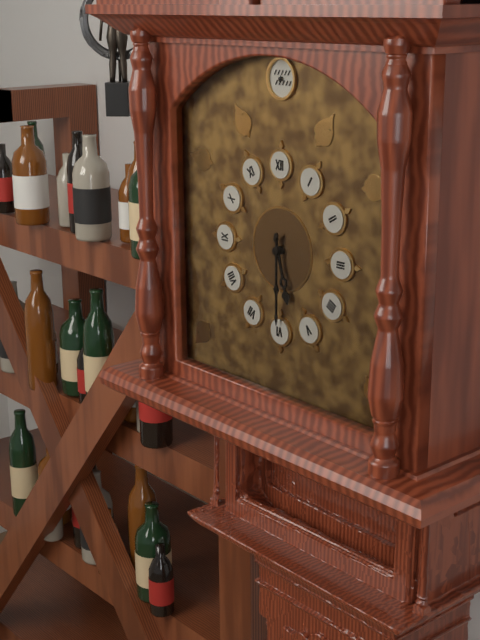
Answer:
5,30
